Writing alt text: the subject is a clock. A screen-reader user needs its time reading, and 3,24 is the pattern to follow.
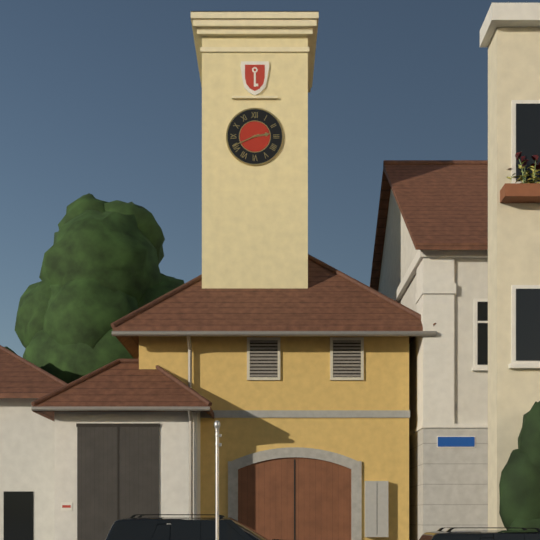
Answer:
2,41
